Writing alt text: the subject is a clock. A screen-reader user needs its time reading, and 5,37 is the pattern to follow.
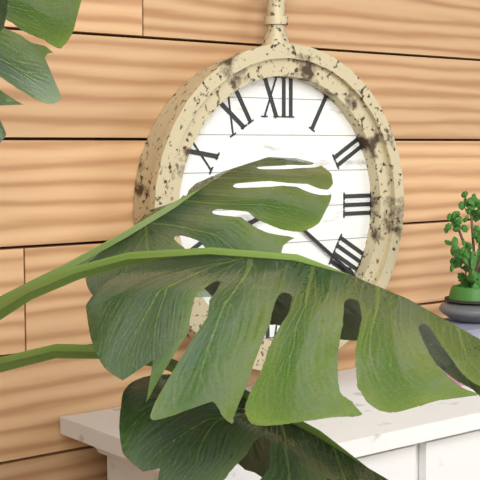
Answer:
8,21
